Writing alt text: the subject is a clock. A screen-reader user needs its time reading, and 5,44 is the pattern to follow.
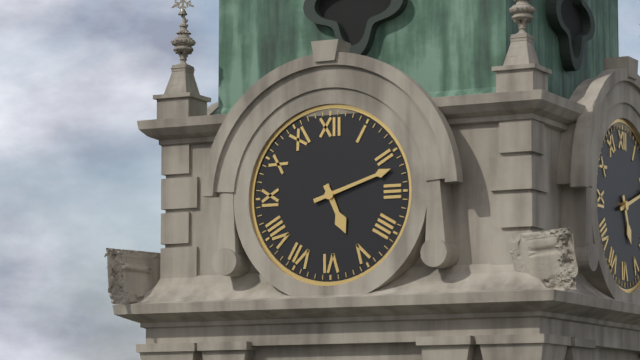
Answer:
5,12
